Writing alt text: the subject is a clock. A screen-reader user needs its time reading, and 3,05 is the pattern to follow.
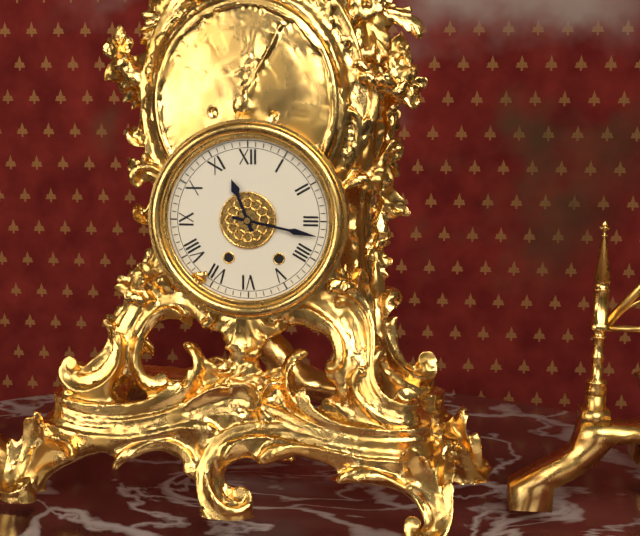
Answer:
11,17
